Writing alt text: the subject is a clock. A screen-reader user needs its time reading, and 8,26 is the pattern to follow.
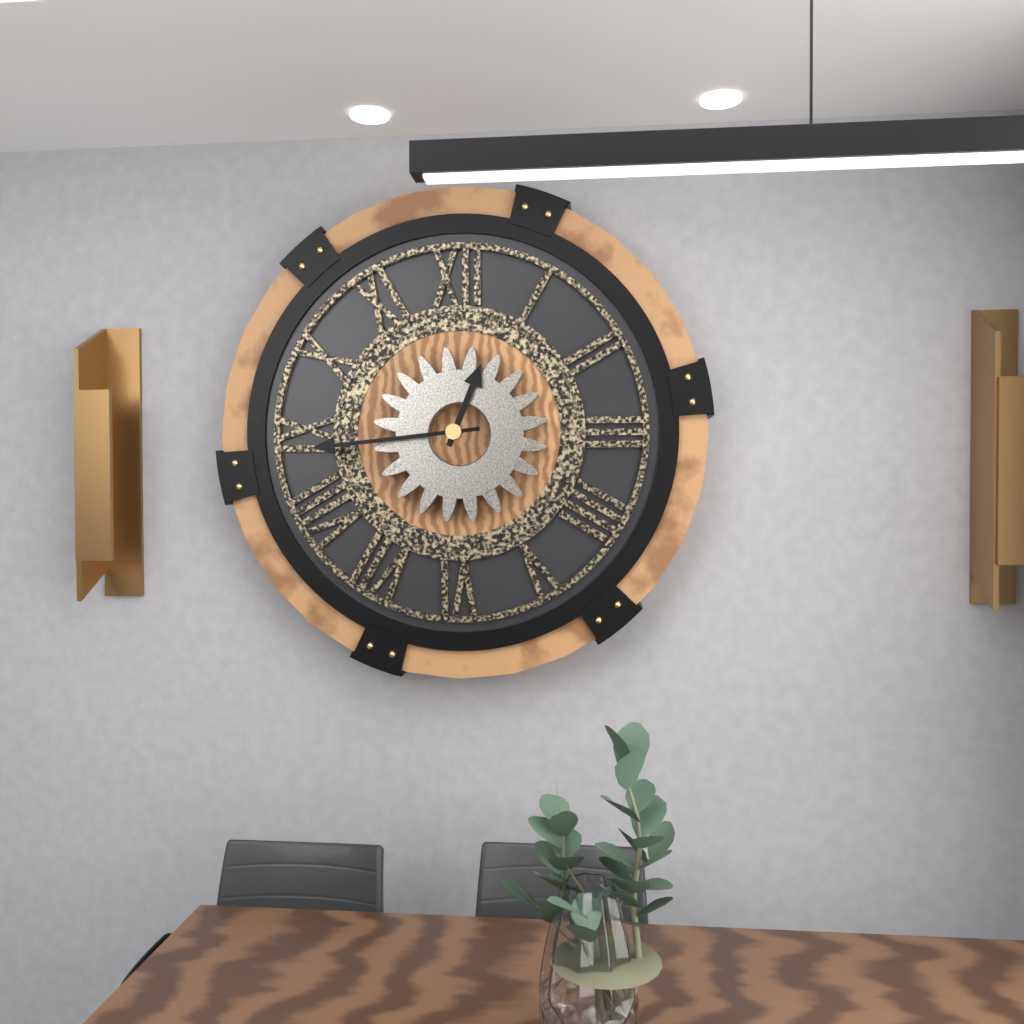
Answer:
12,44
